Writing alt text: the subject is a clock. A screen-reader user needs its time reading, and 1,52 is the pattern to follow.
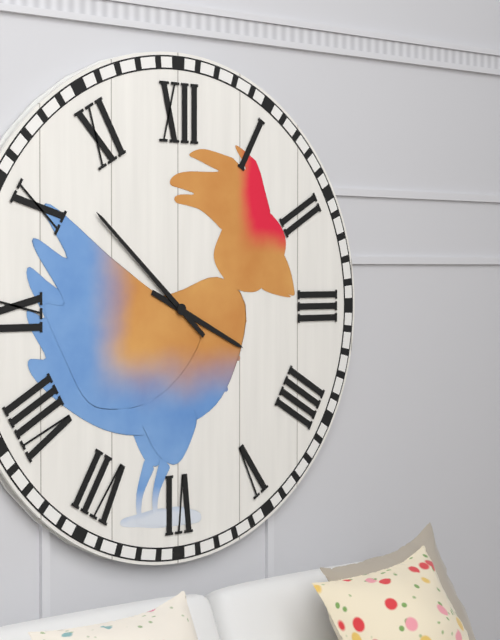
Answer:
3,52
